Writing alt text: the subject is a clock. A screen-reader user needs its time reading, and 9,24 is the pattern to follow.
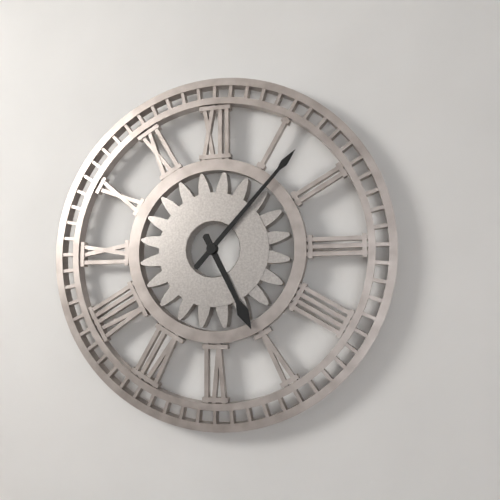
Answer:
5,07
